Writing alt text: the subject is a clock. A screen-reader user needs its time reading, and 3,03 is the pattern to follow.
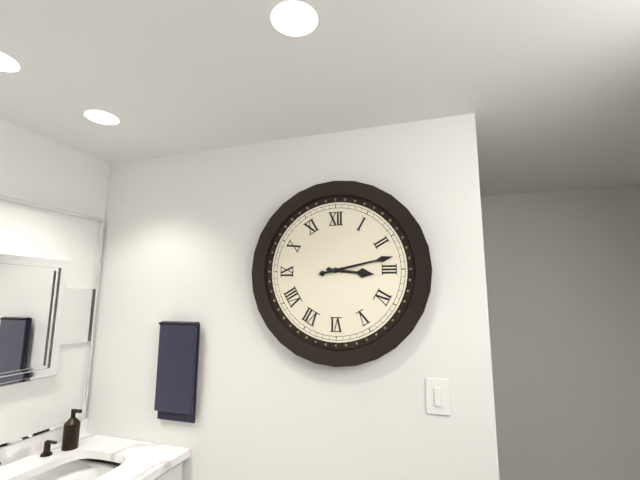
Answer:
3,13
